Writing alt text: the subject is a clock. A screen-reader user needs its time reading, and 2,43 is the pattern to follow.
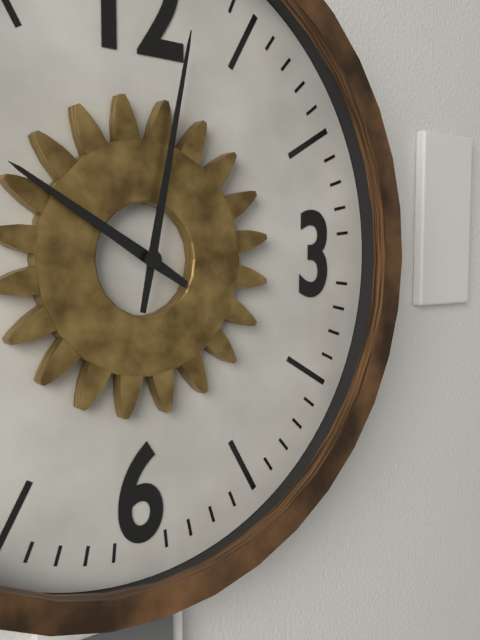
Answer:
10,02
